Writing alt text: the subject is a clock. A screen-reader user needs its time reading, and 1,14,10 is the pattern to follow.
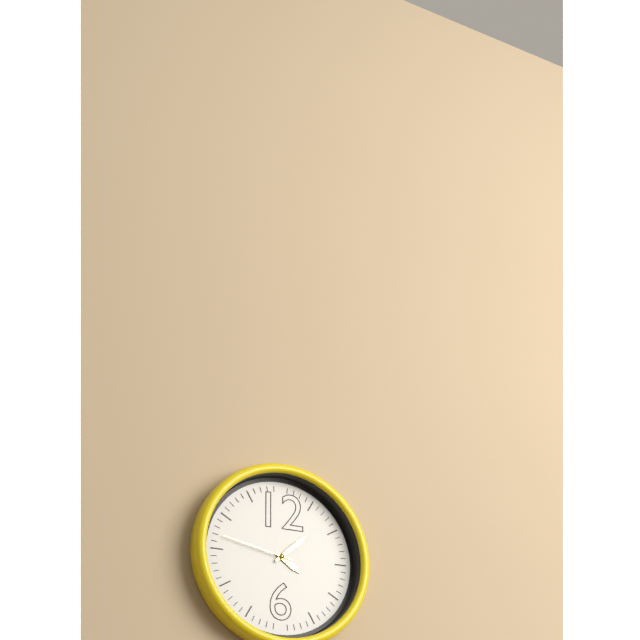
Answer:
4,08,47
